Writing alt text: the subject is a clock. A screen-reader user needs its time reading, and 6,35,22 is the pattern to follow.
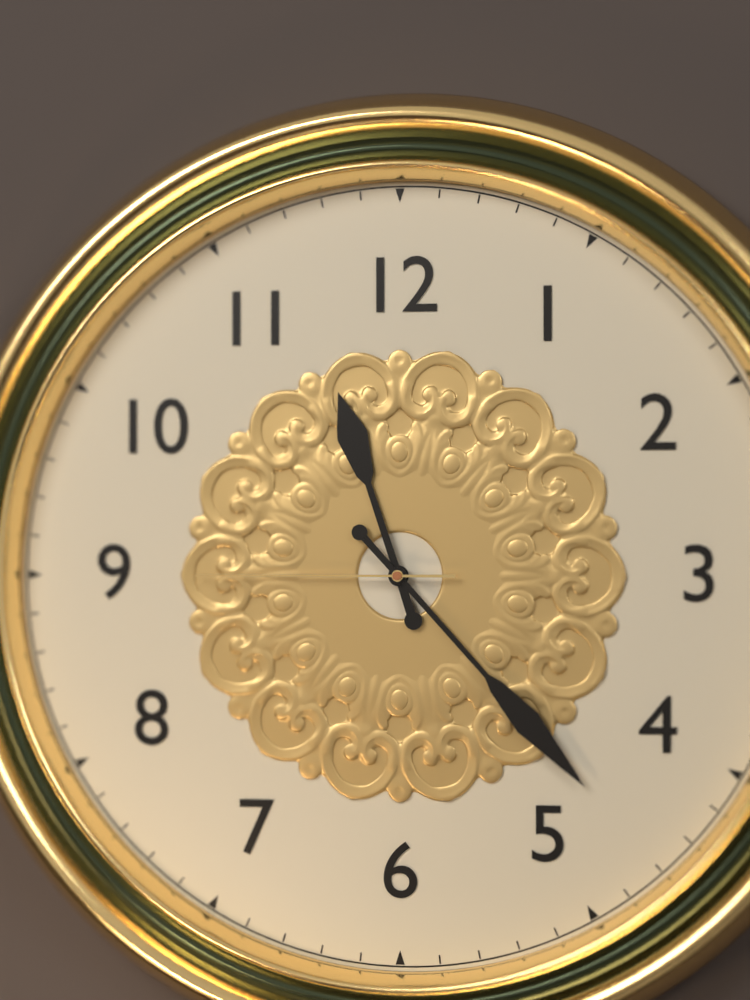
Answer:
11,23,45
